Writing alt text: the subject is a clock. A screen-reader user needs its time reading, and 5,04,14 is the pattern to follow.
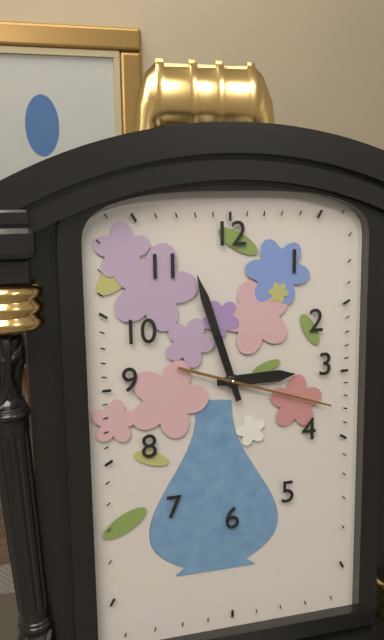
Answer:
2,57,18
